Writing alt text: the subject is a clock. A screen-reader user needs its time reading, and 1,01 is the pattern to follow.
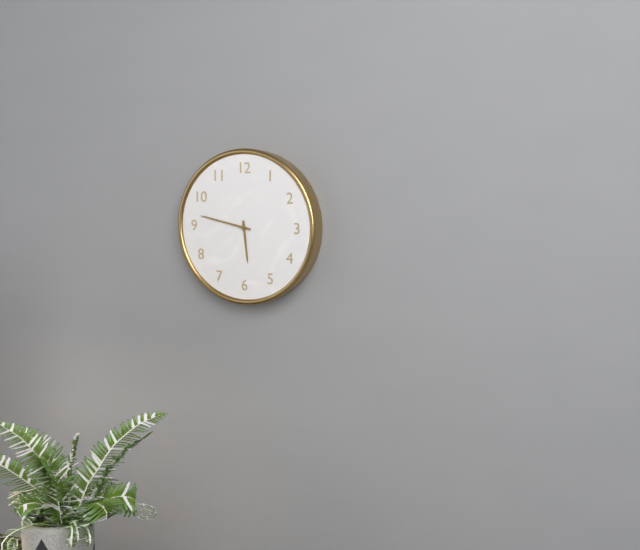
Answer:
5,47
